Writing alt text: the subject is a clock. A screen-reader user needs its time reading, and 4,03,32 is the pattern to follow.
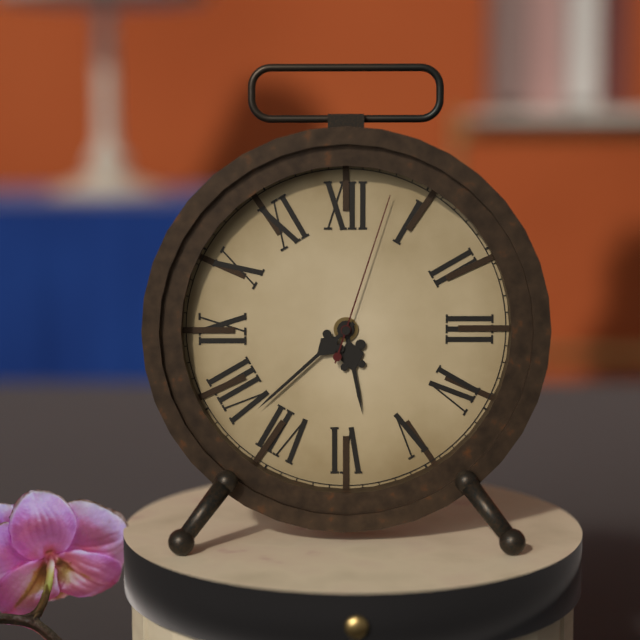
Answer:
5,38,03
